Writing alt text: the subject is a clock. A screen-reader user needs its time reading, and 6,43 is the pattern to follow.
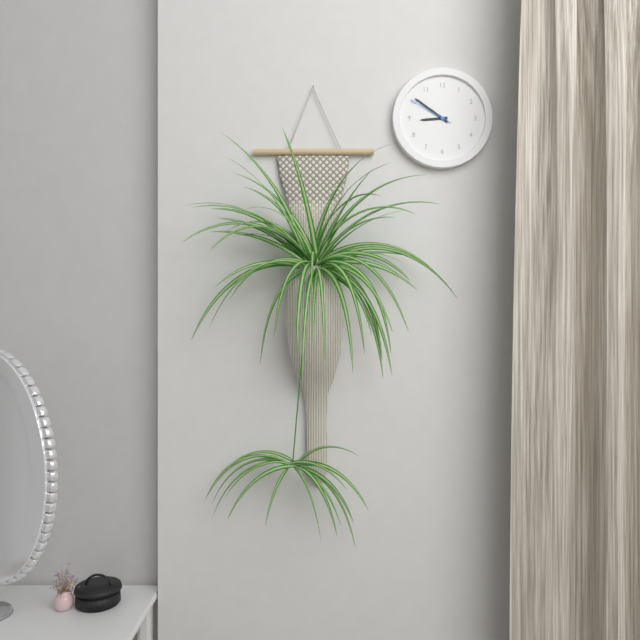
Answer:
8,51
